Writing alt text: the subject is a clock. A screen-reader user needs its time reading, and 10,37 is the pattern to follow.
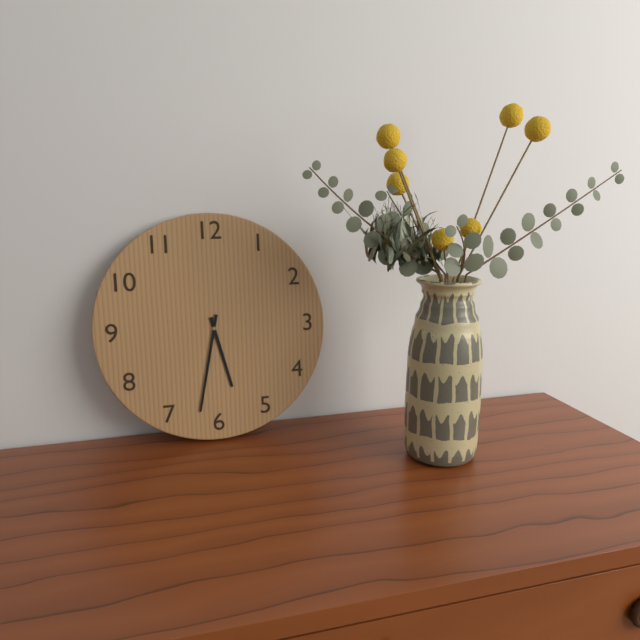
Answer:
5,32
